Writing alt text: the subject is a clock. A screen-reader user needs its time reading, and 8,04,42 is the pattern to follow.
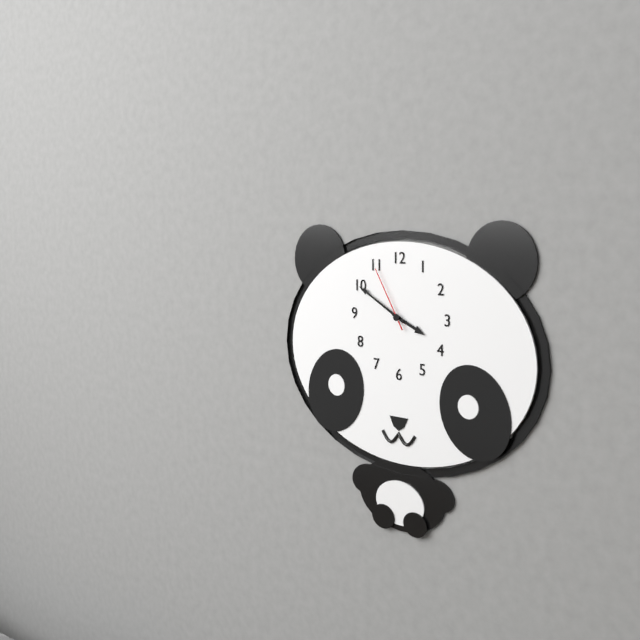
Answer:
3,50,55
